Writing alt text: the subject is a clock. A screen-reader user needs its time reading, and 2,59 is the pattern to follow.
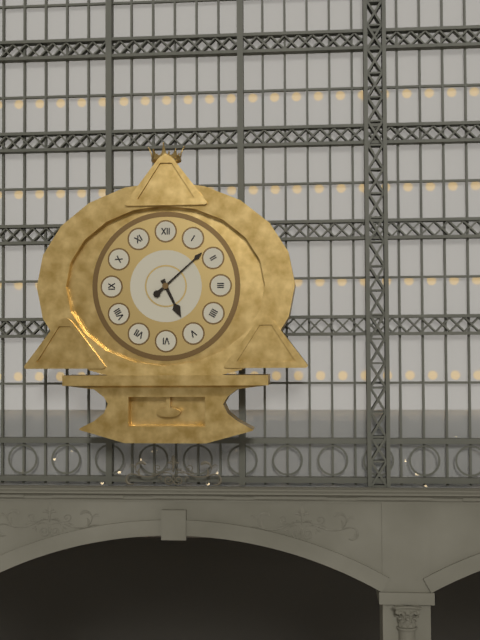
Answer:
5,08
